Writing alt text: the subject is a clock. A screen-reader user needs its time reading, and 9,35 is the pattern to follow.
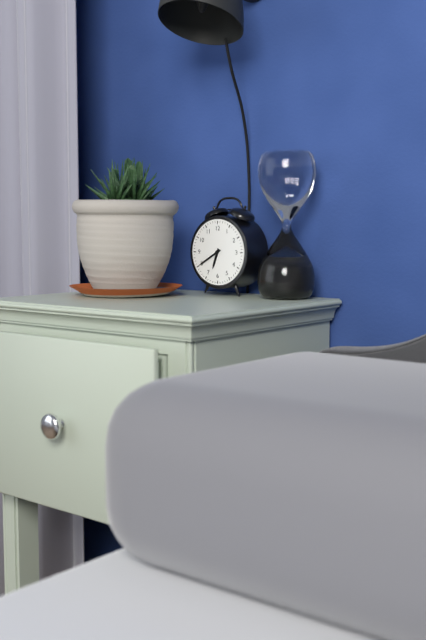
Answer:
6,40
